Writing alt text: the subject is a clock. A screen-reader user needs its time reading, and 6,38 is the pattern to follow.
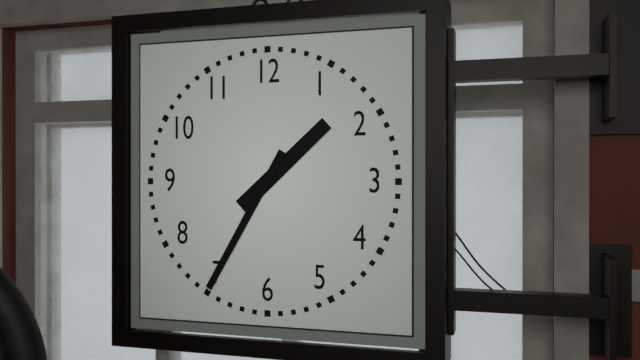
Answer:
1,35
